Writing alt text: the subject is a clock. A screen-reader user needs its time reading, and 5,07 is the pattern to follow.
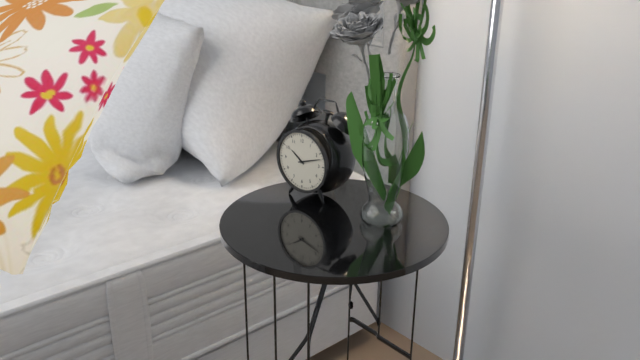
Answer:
10,12
